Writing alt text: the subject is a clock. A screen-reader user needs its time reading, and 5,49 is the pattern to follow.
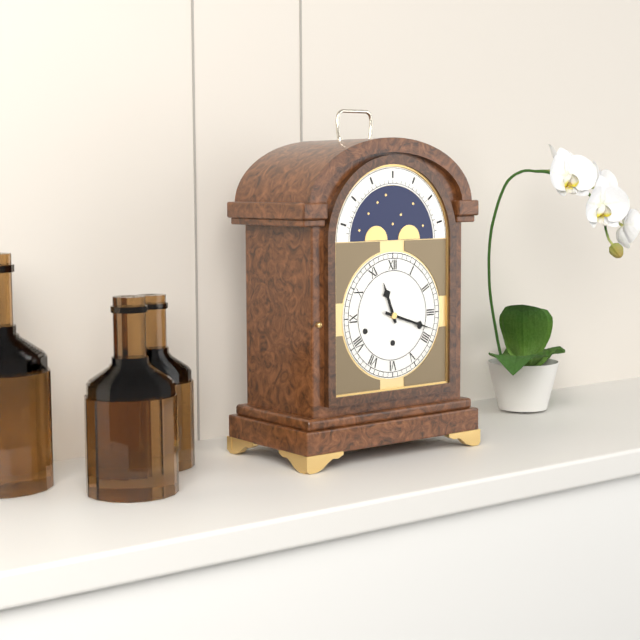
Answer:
11,18
